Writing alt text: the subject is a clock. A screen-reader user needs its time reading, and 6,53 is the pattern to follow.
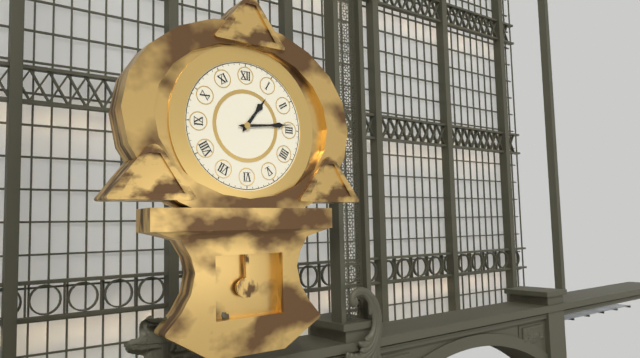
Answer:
1,14
